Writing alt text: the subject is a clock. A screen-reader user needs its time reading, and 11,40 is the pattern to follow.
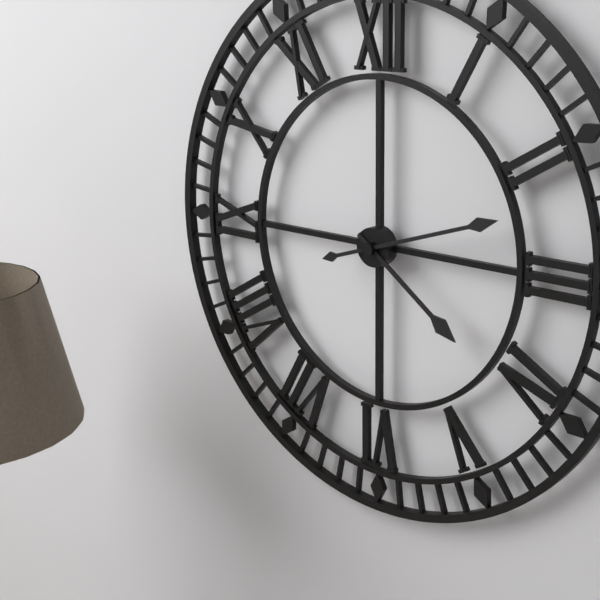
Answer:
4,12
